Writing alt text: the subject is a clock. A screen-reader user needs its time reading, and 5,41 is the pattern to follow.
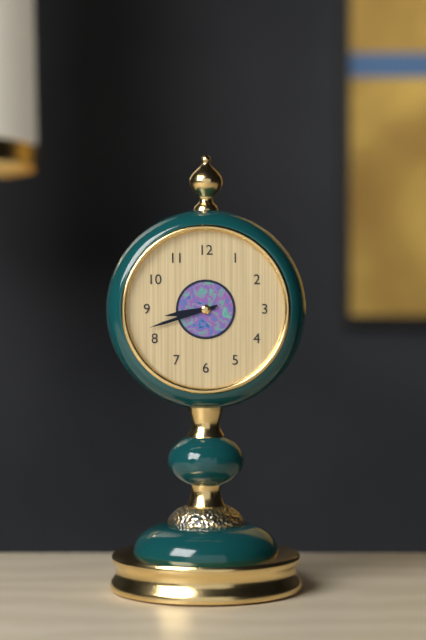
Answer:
8,42
